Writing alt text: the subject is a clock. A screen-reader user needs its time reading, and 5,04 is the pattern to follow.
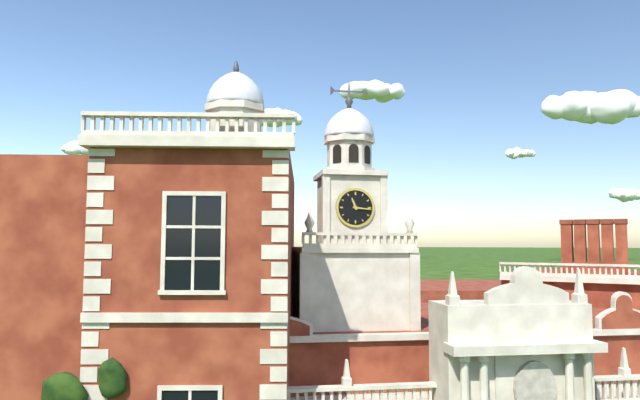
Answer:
11,16
